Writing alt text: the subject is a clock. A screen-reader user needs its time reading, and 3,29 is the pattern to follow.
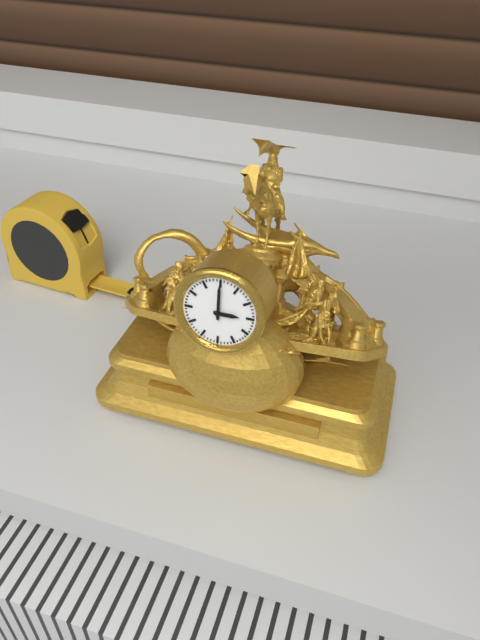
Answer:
3,00
